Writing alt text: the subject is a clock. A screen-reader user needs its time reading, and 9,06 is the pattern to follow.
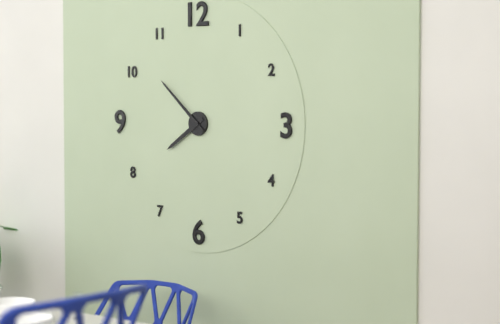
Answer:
7,52
